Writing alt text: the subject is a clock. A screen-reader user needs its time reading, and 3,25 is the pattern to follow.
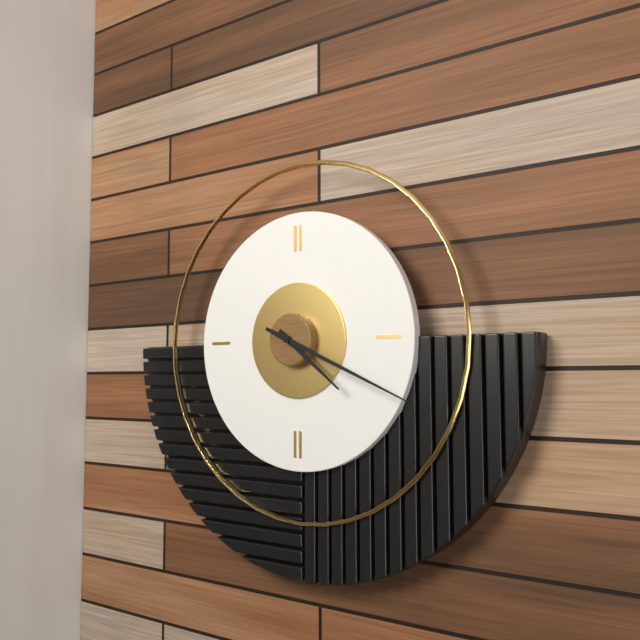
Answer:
4,19
